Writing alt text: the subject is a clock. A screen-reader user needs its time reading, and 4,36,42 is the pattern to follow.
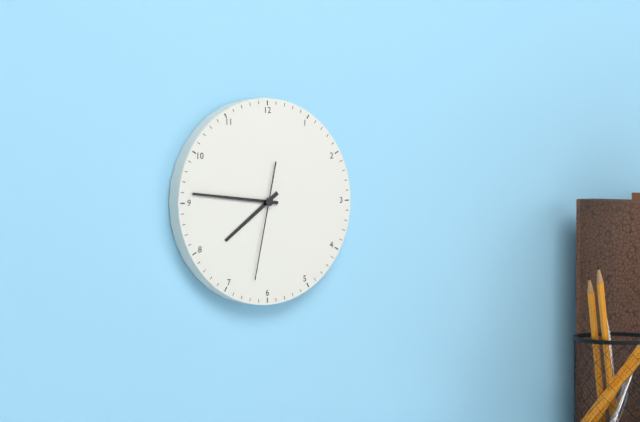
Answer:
7,46,32
